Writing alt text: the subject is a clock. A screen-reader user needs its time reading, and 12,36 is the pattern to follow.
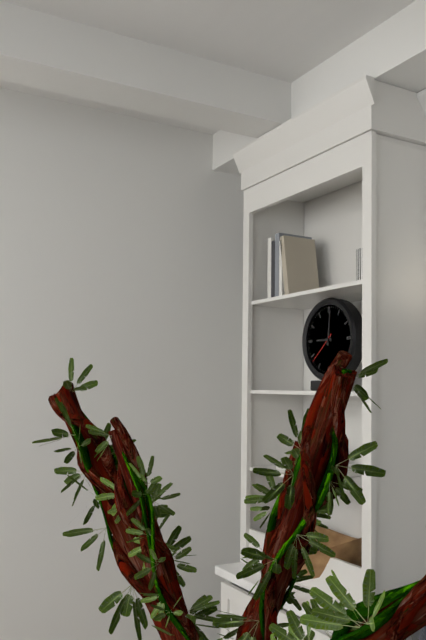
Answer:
9,01
